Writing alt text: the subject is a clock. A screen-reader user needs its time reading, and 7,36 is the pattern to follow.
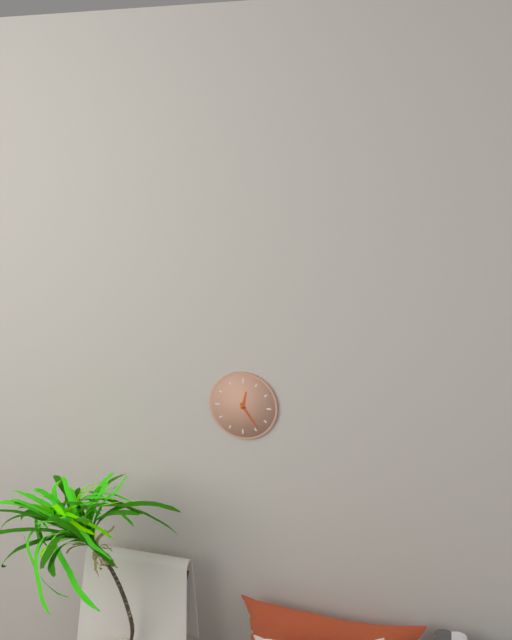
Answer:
12,24
